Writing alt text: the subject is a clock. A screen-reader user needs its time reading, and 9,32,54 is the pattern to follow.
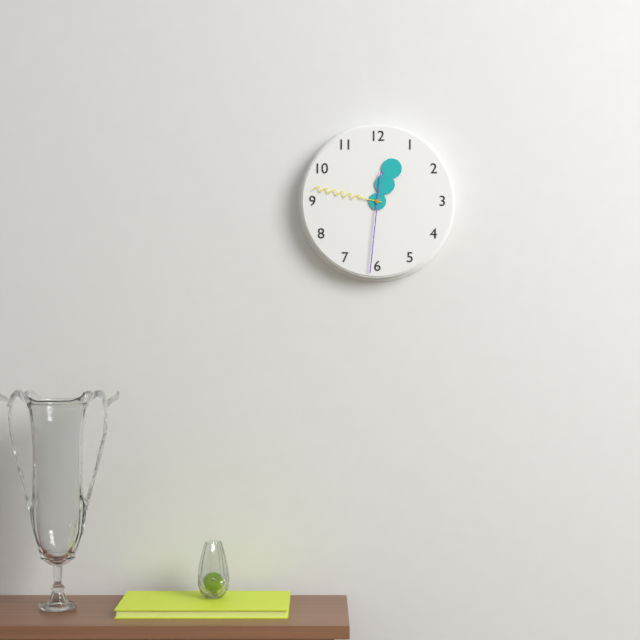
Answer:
12,47,31
